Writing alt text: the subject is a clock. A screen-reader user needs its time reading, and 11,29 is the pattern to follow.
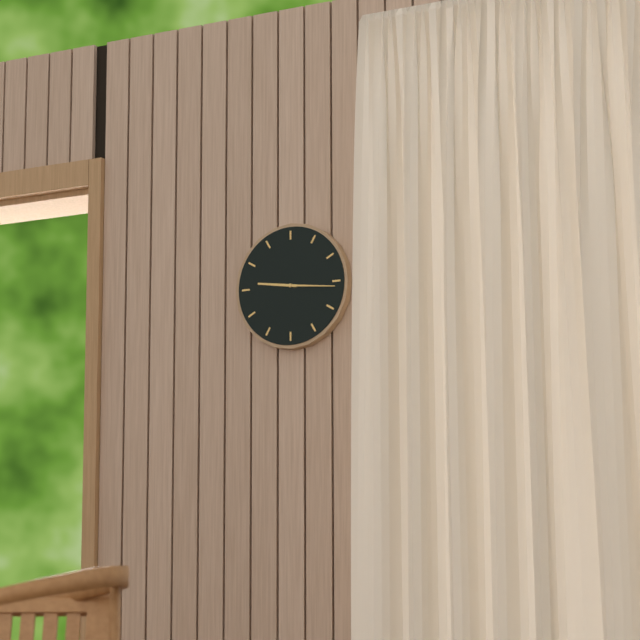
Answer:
9,16
